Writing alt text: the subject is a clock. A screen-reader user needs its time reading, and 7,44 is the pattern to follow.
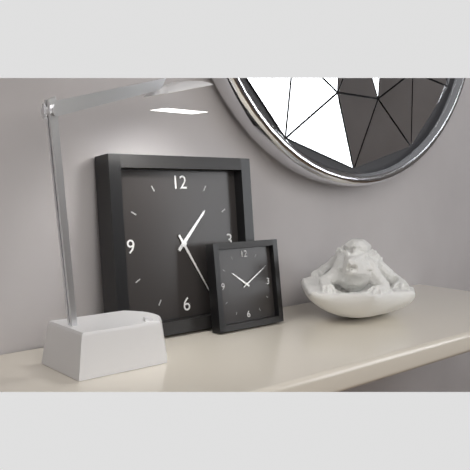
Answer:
1,25
